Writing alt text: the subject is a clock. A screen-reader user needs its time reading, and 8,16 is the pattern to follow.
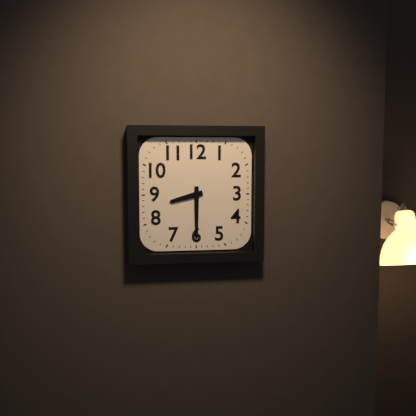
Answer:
8,30
